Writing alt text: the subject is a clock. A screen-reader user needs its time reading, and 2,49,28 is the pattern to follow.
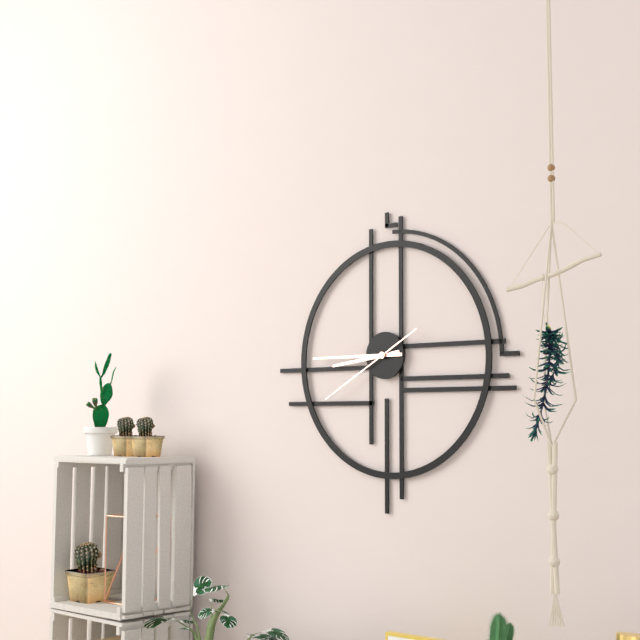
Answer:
8,45,40
